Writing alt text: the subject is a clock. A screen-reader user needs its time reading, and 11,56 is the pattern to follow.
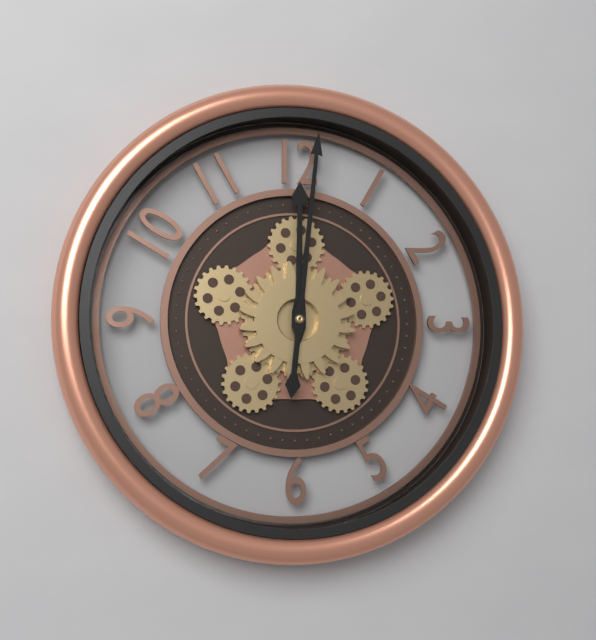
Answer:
12,01
